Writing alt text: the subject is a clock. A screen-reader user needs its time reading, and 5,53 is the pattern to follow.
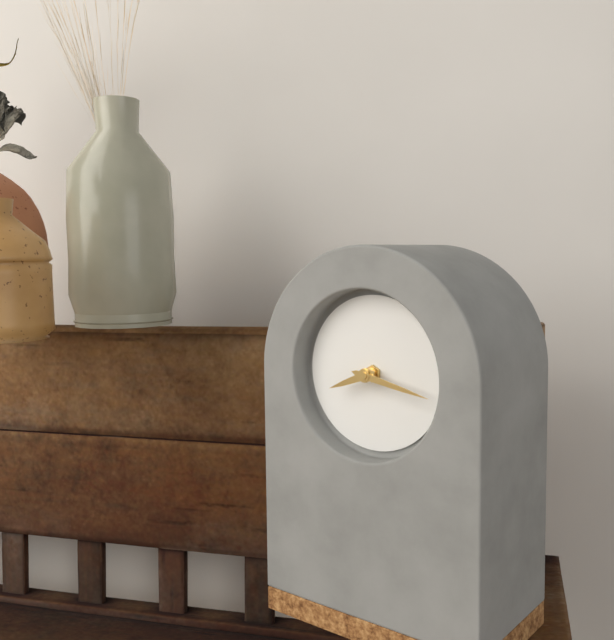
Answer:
8,17
